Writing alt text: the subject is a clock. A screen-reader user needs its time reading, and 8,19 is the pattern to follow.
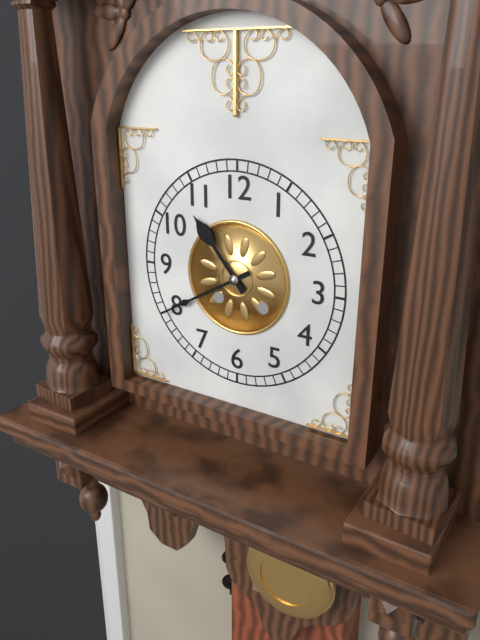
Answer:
10,40
